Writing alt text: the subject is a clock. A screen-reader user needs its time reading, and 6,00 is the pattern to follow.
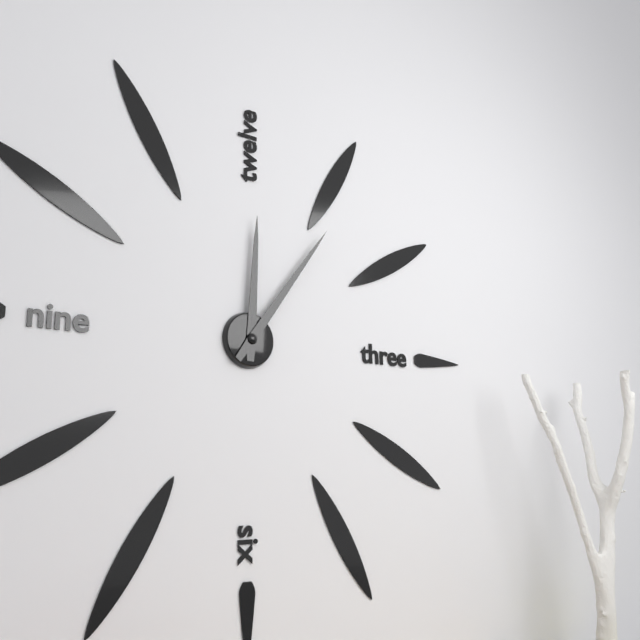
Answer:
12,06
